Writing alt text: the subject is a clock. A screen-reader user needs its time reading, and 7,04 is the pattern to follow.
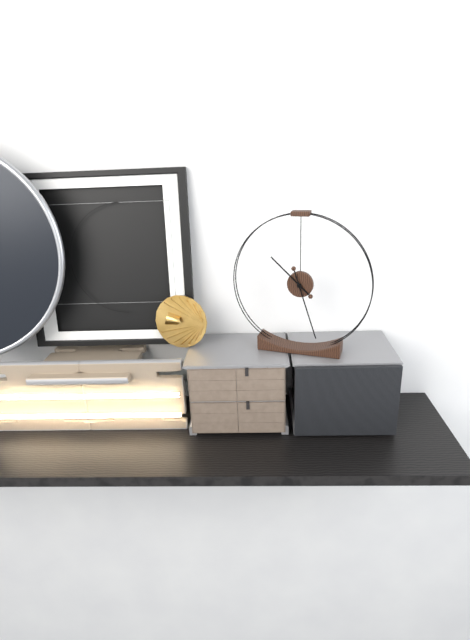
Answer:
10,27
